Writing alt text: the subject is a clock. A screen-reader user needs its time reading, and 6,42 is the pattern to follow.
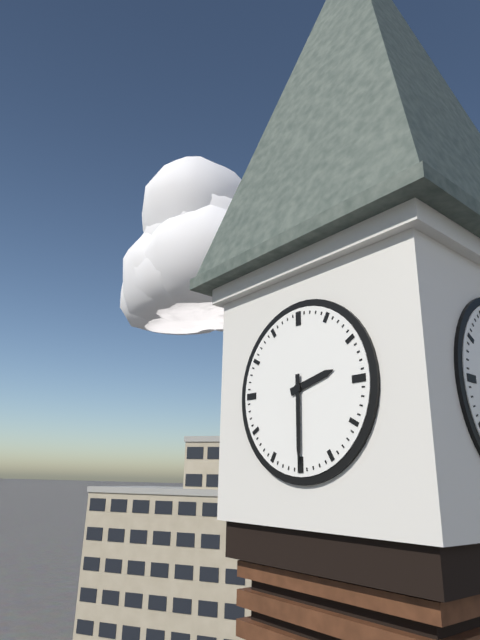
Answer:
2,30
